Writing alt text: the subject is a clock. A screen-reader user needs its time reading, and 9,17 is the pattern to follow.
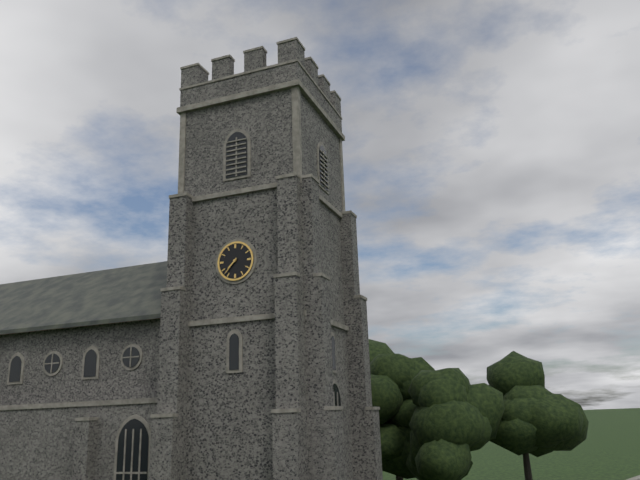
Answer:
7,37
